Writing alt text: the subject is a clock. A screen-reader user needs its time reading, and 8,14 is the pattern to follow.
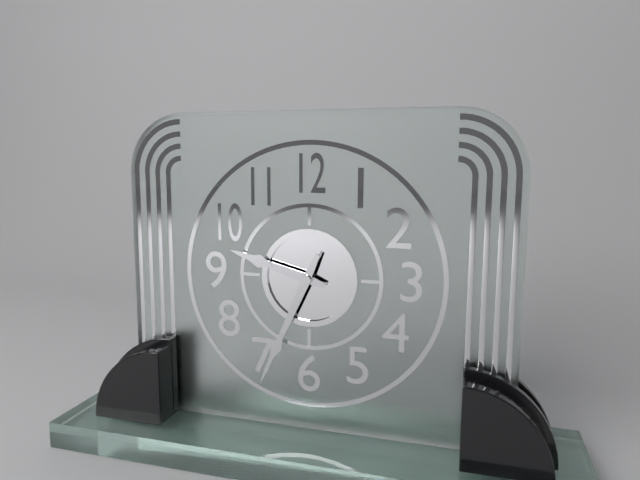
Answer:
9,34
